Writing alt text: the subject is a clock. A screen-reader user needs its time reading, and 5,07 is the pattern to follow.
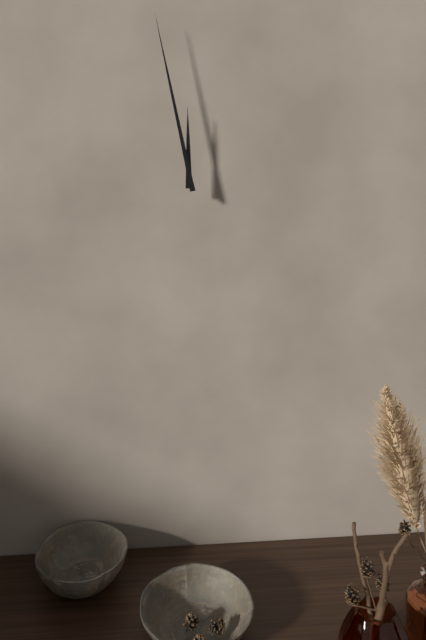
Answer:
11,58
